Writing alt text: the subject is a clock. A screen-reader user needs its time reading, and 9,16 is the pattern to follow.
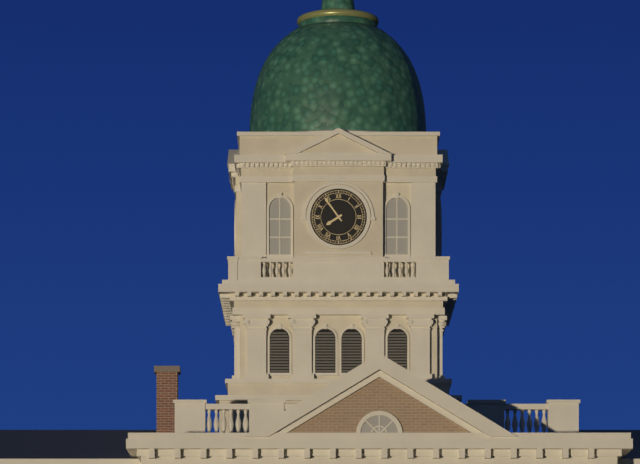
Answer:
7,54
